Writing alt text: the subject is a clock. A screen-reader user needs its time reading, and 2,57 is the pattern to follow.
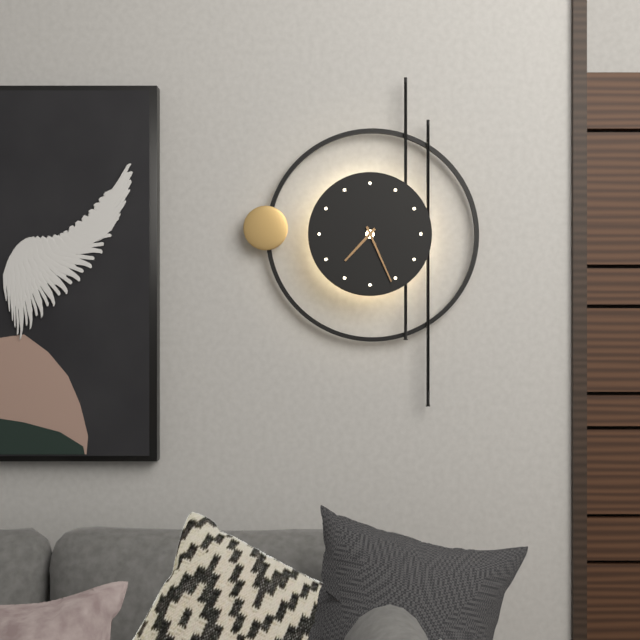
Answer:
7,26
